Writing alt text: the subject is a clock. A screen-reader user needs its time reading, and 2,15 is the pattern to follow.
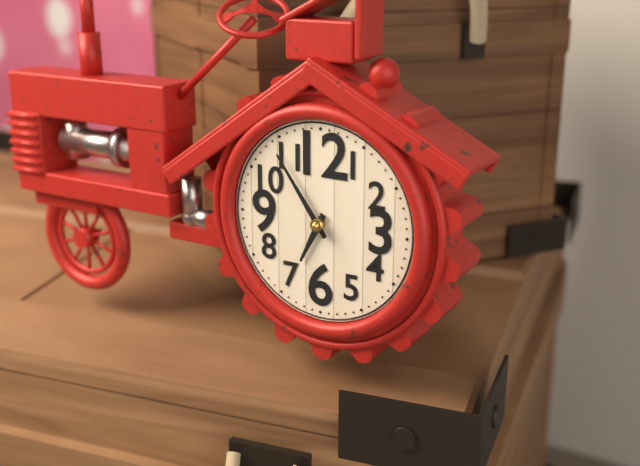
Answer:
6,54
